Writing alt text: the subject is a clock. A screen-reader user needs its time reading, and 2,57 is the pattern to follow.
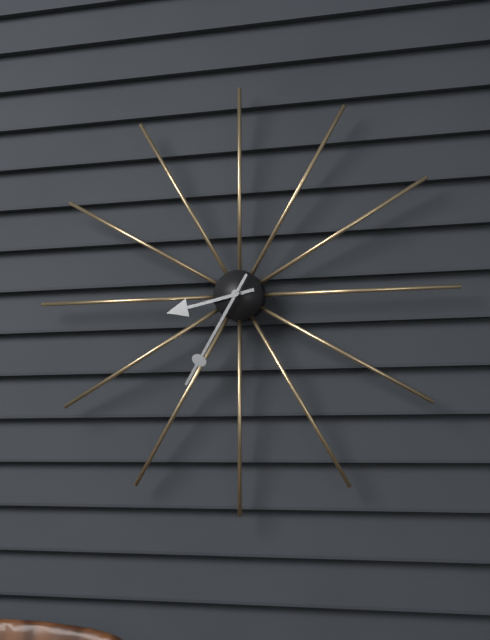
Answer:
8,35
